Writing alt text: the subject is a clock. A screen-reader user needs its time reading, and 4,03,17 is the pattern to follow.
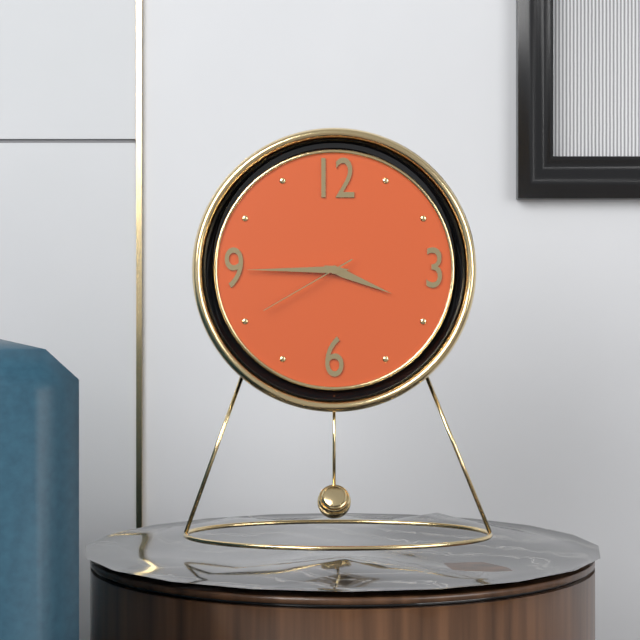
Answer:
3,45,40
